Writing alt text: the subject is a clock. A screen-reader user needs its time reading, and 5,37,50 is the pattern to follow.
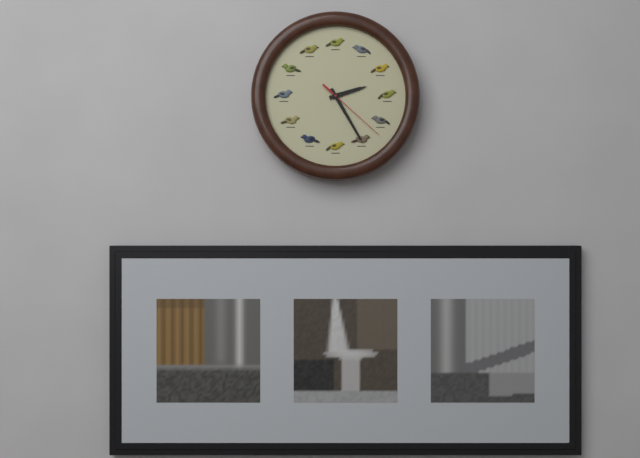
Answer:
2,25,22
